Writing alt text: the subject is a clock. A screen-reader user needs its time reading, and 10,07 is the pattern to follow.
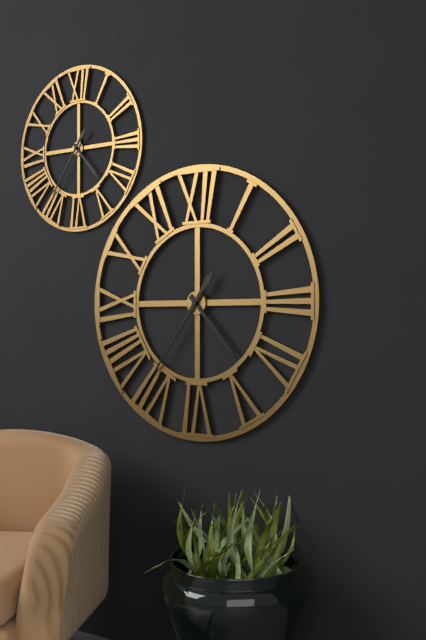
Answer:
4,36
